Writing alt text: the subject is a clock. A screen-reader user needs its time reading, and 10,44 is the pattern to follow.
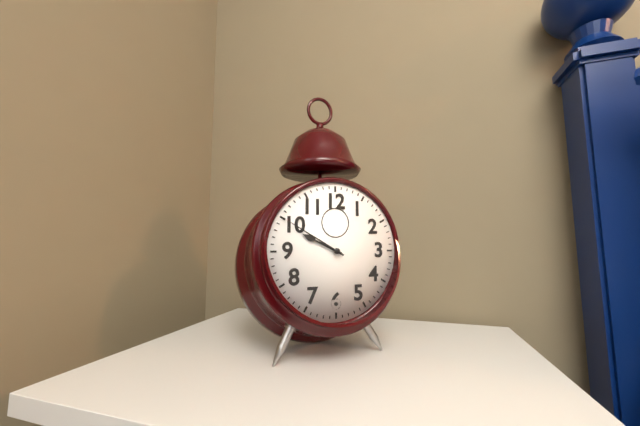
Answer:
9,50
